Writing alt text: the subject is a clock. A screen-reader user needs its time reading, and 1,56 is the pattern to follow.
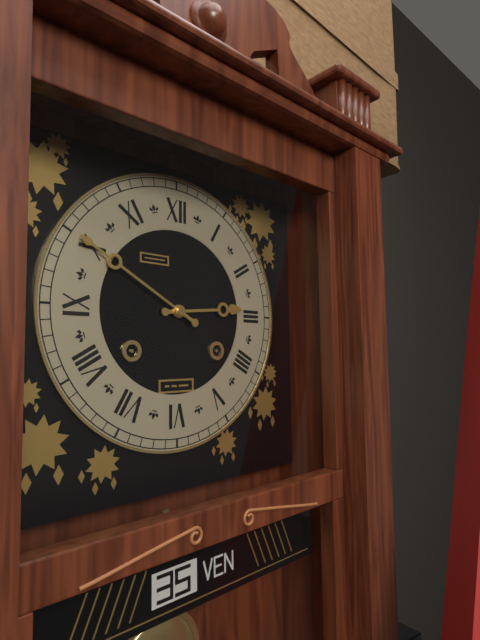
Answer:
2,50
